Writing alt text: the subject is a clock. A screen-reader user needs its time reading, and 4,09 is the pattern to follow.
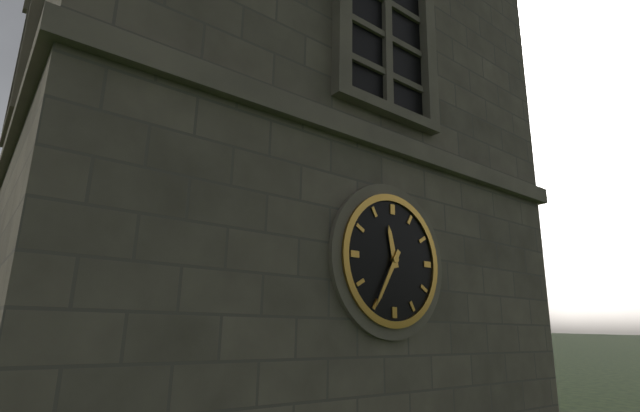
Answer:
11,35
